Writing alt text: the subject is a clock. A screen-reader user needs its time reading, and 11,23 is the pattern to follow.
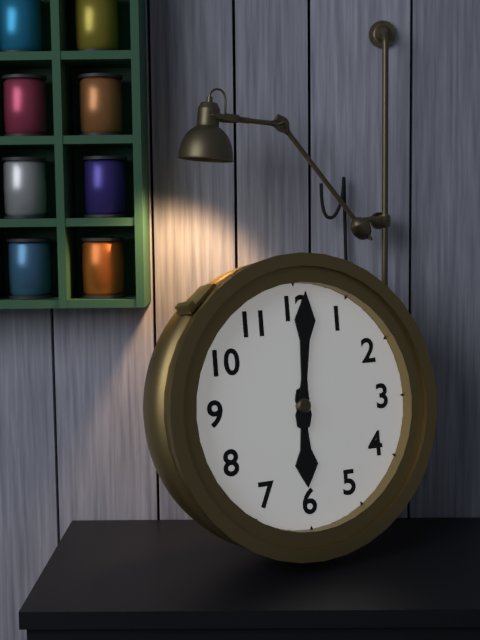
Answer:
6,01
